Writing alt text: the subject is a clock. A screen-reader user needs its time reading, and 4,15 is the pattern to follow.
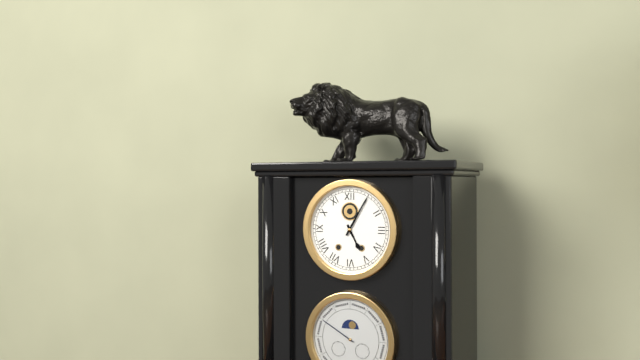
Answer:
5,05
